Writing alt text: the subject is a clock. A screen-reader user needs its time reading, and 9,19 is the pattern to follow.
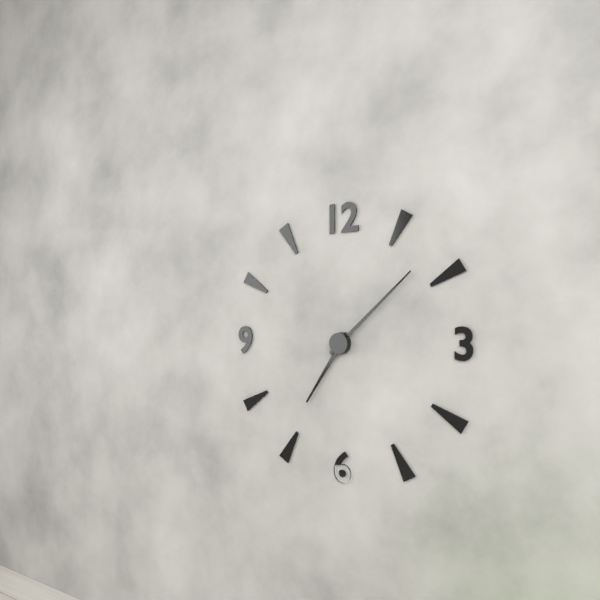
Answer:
7,08
